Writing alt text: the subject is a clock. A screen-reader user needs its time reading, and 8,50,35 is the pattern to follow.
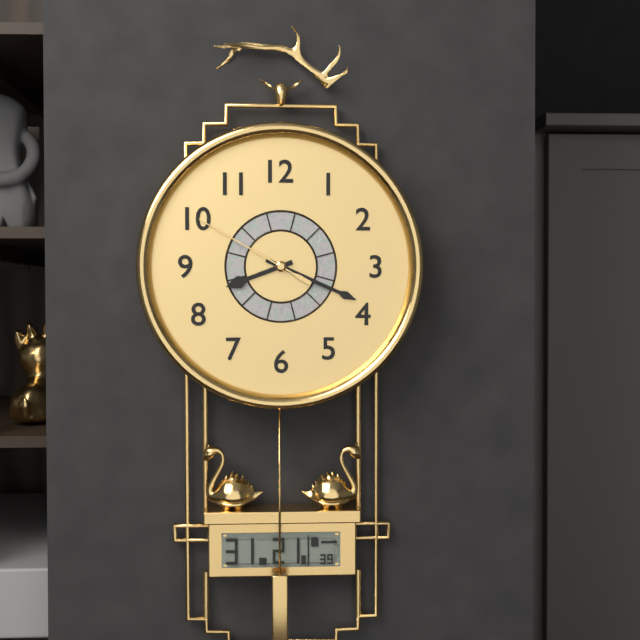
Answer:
8,19,50
